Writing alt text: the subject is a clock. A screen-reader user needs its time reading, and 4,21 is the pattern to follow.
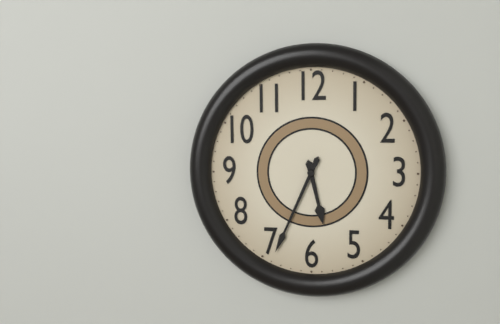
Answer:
5,34
